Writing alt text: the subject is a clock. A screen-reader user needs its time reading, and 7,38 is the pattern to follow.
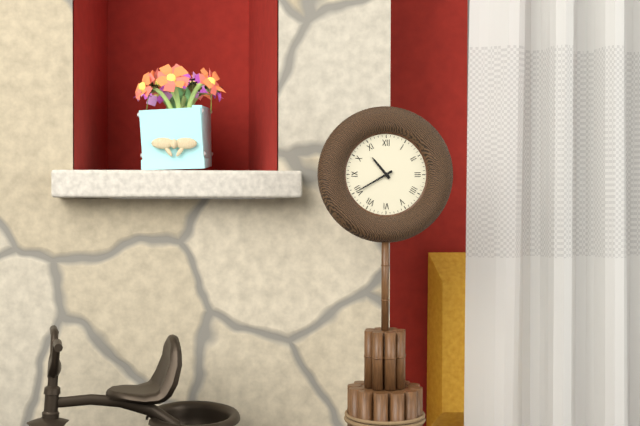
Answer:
10,40
